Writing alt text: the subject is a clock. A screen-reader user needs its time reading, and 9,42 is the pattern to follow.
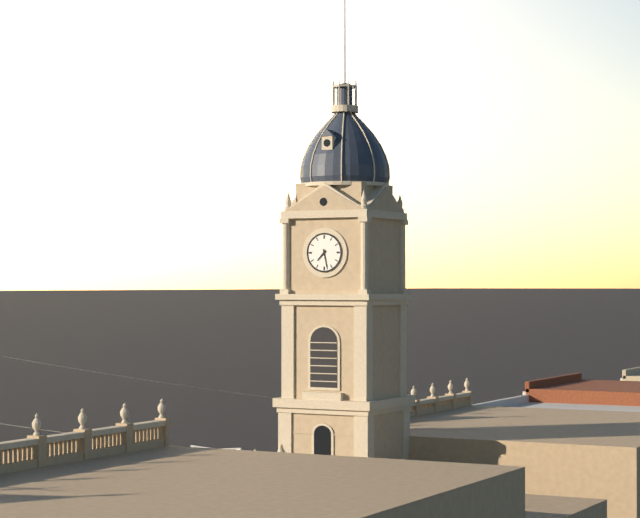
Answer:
7,28
